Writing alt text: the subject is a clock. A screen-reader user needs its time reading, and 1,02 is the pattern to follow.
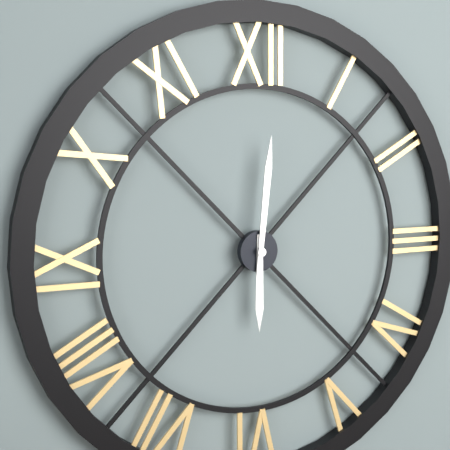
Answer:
6,01
